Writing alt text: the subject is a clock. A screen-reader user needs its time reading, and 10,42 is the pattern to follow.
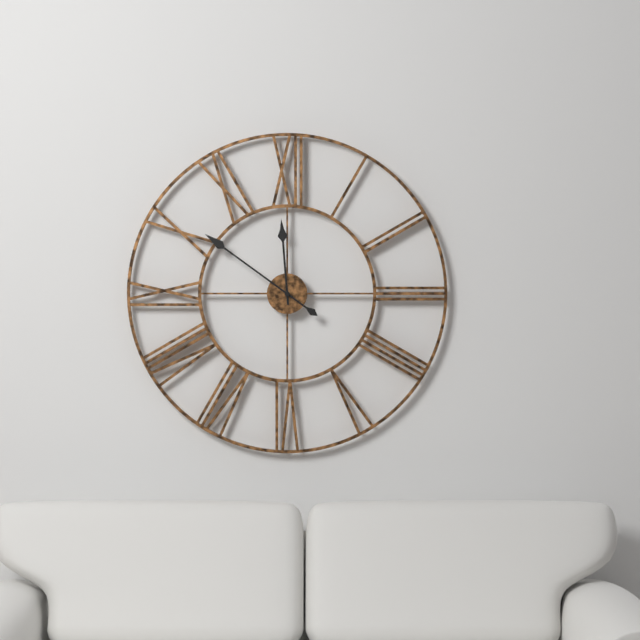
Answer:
11,51
